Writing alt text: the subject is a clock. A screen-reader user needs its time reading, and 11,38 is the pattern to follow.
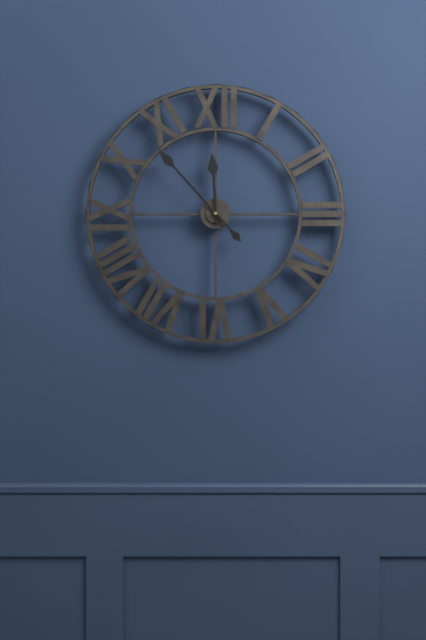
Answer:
11,53
